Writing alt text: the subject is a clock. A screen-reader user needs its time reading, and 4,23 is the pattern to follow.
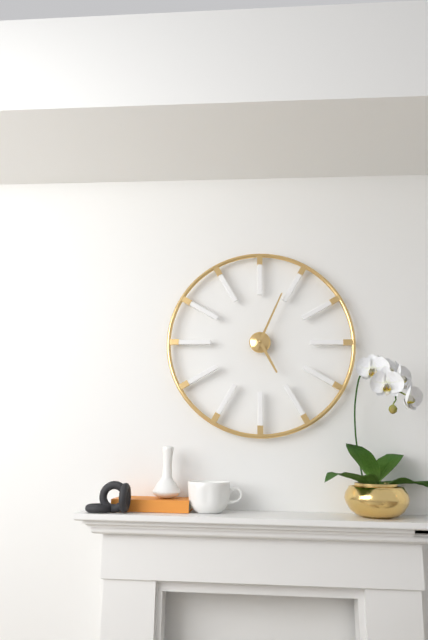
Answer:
5,04
